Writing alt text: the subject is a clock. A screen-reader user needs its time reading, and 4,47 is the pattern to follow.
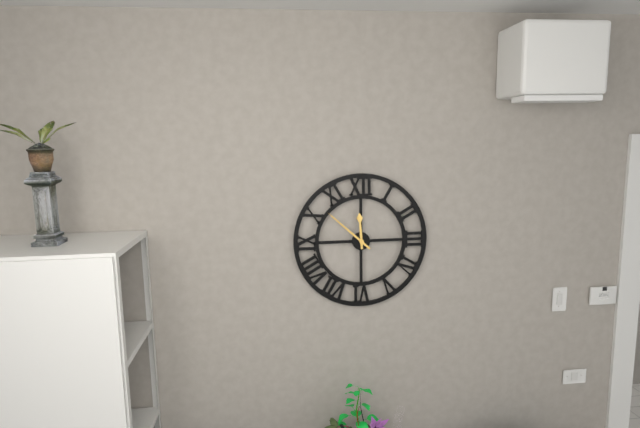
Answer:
11,52
